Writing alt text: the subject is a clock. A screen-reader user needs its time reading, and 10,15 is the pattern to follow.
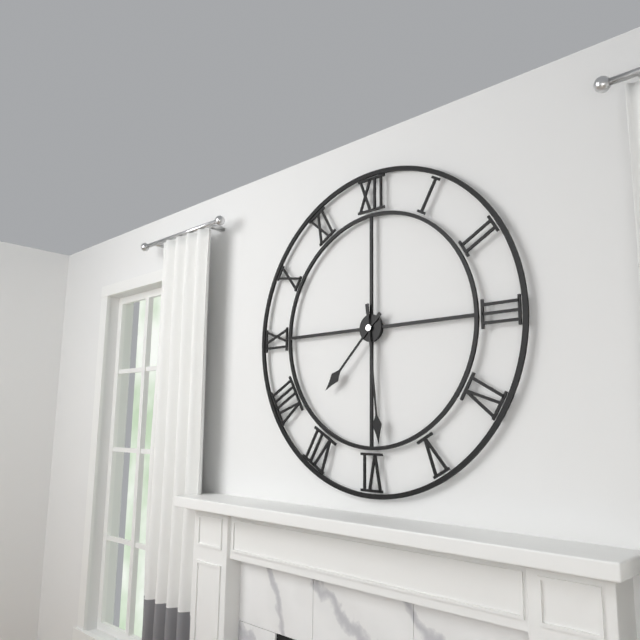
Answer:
7,29
